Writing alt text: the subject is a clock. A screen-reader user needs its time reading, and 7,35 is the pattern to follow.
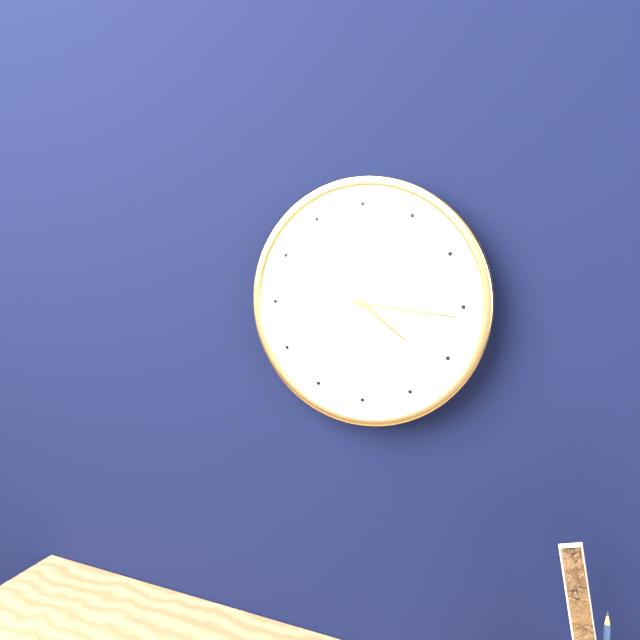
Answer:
4,16
